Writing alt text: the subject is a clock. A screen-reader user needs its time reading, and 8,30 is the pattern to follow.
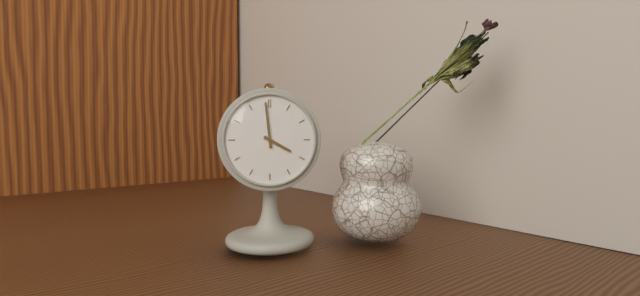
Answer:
3,59
